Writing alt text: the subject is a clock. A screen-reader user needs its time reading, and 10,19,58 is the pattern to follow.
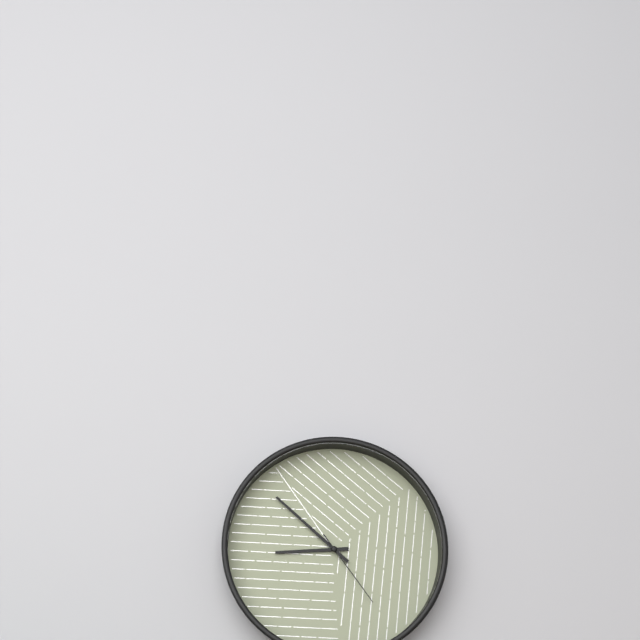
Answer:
8,52,24
